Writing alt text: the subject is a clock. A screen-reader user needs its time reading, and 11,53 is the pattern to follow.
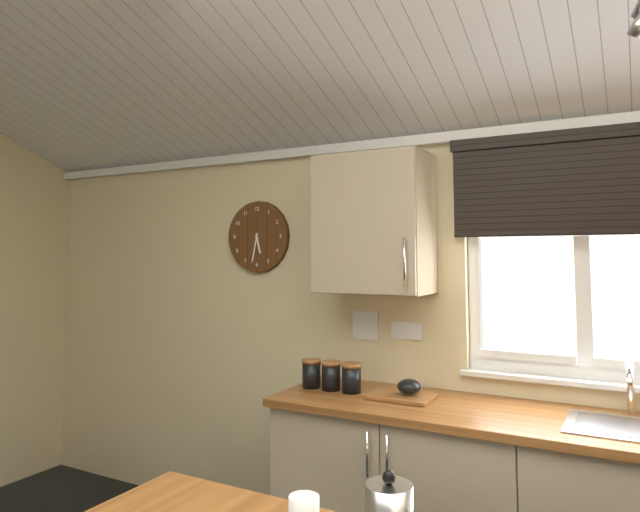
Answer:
5,32
